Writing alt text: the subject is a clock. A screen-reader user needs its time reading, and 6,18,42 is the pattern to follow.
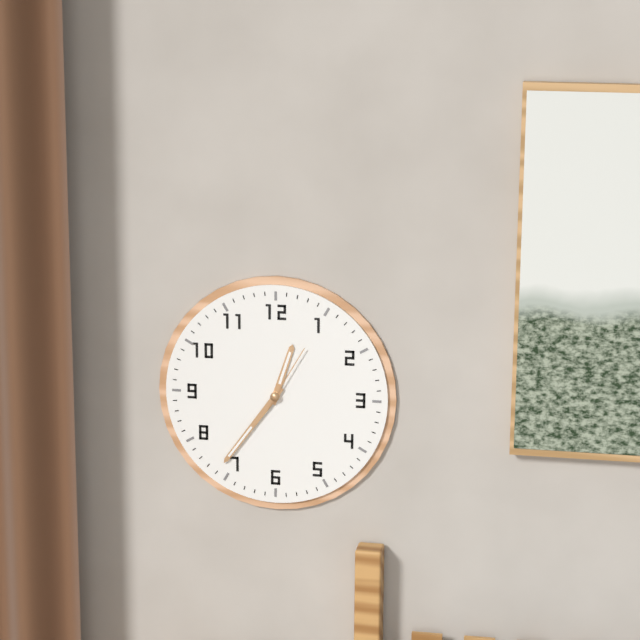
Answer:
12,36,05
